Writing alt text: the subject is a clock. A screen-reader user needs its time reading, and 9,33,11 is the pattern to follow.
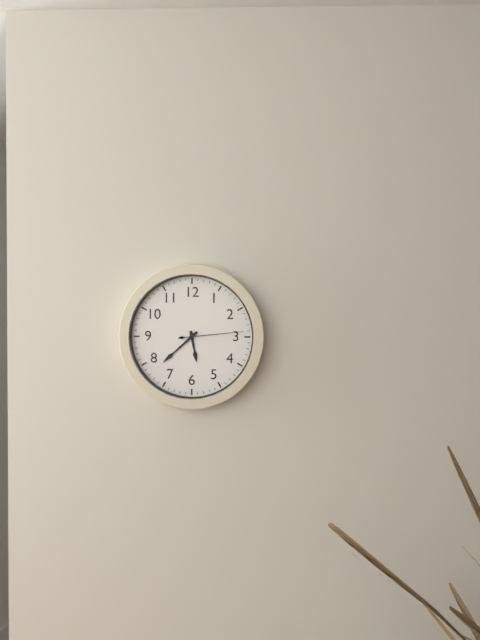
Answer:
5,38,14
